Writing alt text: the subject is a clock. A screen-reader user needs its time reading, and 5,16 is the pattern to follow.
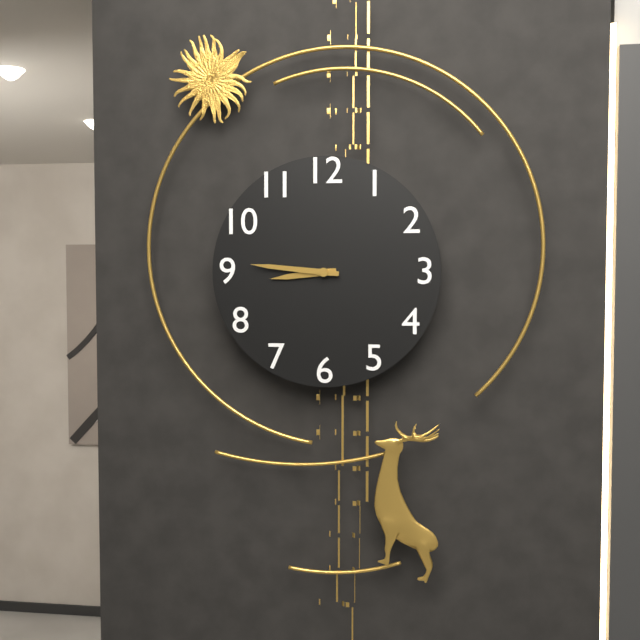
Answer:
8,46
